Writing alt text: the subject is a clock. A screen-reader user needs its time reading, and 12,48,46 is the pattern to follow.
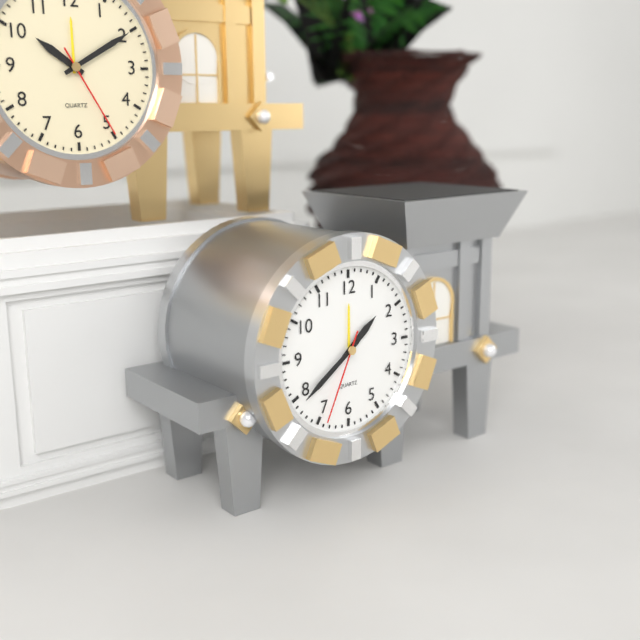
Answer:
1,39,34
